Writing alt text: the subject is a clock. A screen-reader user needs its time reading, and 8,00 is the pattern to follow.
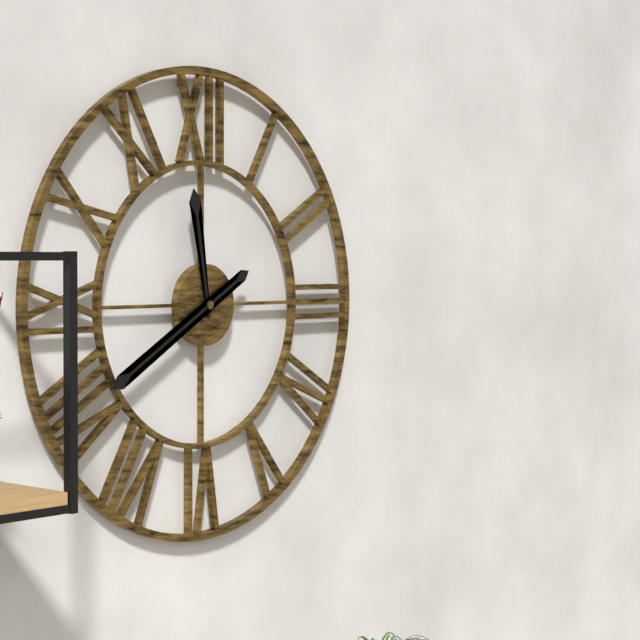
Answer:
11,40
